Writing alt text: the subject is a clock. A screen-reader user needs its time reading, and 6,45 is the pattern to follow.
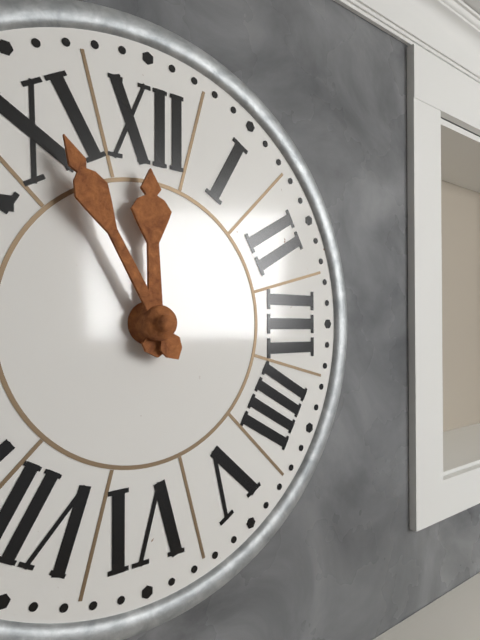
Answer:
11,55
